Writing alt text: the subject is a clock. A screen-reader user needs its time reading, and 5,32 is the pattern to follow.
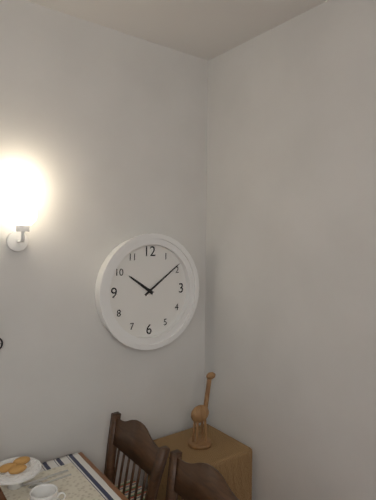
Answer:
10,09
